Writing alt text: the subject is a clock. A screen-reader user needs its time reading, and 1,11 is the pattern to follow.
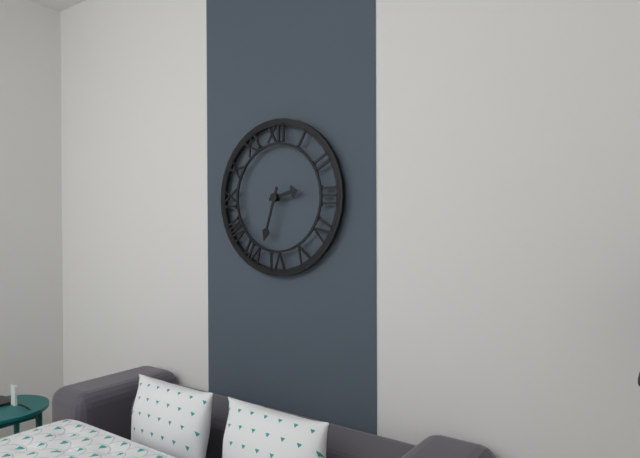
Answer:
2,33
